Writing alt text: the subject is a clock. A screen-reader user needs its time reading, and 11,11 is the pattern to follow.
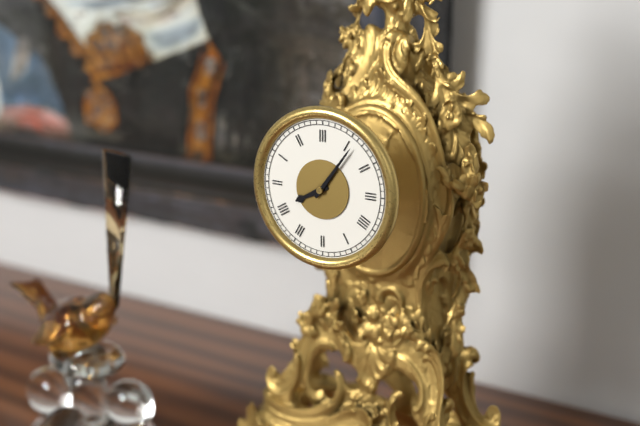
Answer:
8,06
